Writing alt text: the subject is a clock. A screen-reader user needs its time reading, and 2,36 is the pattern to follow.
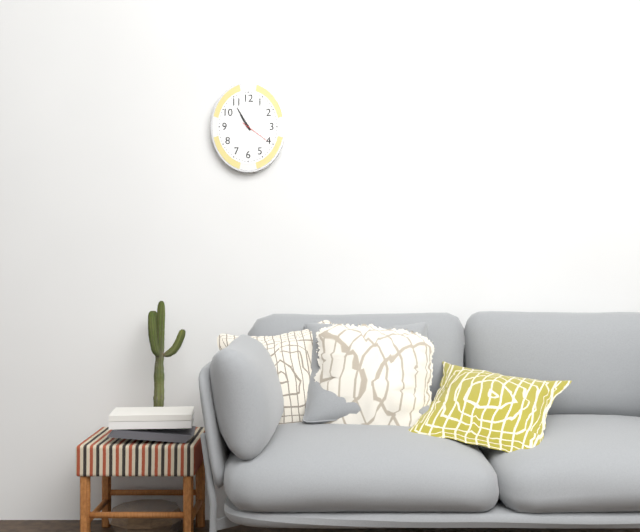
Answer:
10,55
